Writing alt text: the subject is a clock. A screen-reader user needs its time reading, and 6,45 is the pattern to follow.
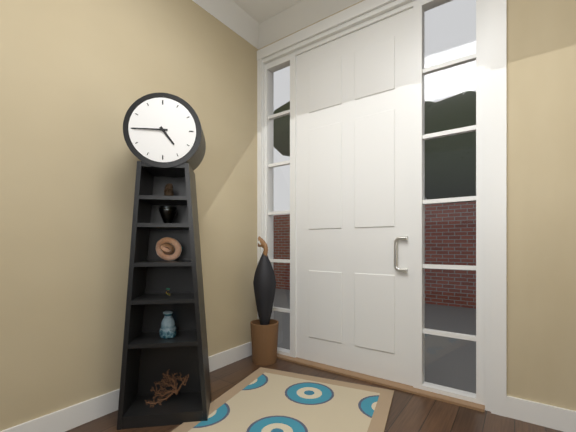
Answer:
4,45
